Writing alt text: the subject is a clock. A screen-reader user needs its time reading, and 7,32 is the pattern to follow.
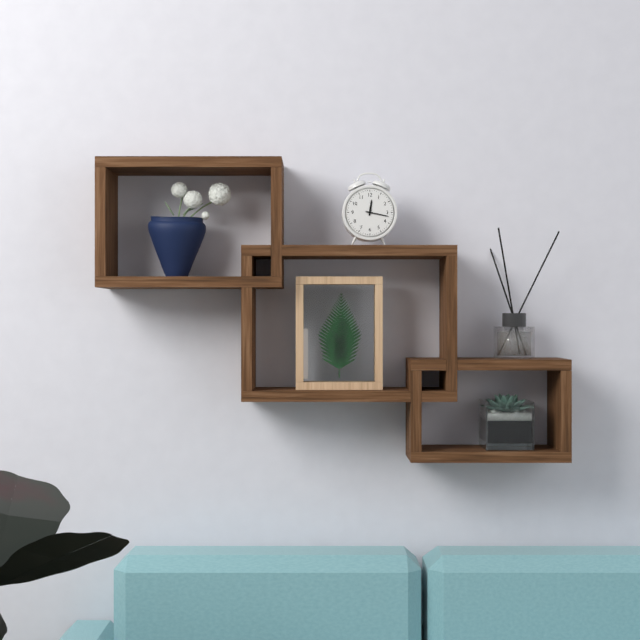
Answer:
12,17
